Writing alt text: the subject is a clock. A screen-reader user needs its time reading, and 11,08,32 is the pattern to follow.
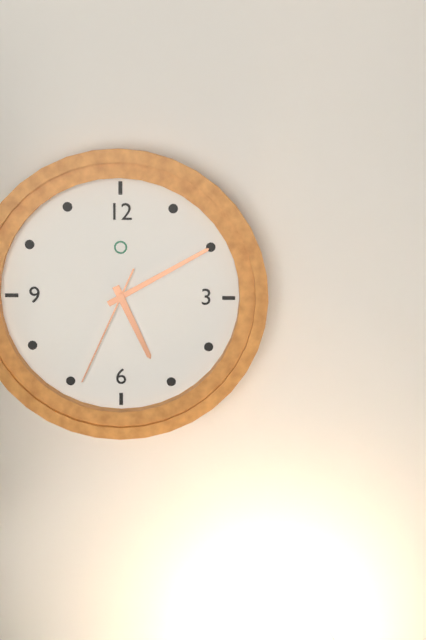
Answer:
5,10,34
